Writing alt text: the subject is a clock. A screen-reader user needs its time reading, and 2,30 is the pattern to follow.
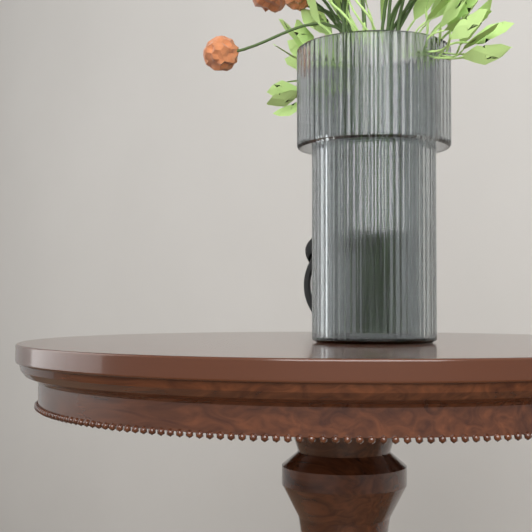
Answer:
1,03
